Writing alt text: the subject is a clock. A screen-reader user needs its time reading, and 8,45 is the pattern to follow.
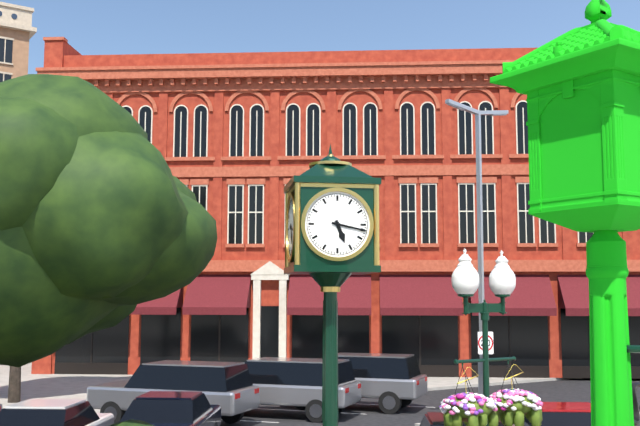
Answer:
5,17
